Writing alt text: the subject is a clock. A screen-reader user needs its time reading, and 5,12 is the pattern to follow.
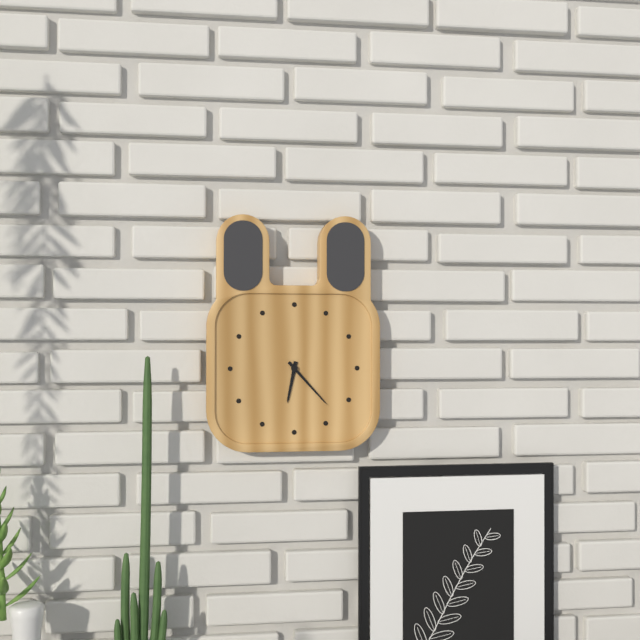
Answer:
6,23
